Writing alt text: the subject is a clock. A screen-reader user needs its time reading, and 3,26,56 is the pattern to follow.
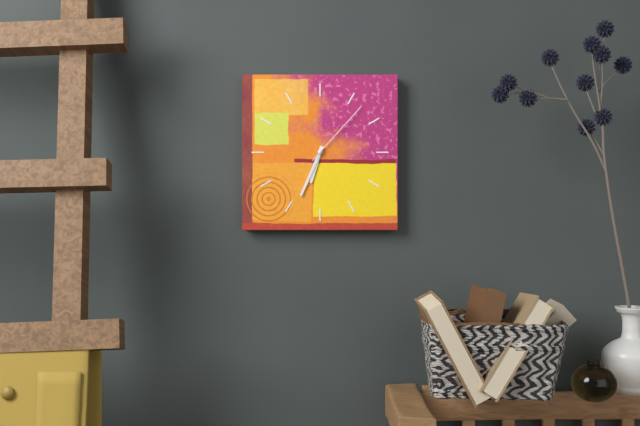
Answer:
6,34,07
